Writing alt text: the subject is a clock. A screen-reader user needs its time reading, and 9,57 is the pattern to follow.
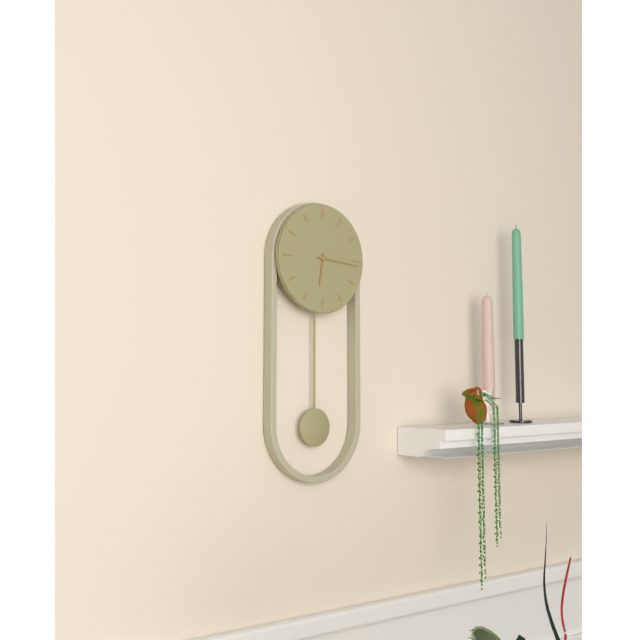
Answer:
6,16
